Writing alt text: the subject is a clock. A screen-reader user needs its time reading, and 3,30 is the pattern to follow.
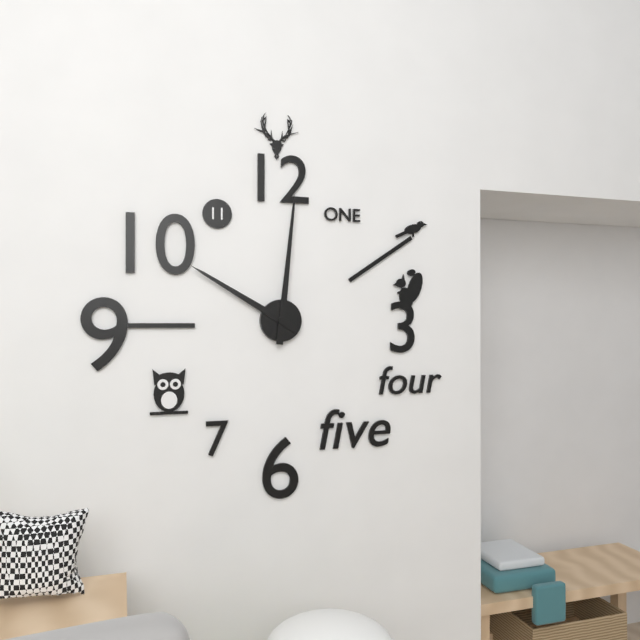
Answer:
10,01
